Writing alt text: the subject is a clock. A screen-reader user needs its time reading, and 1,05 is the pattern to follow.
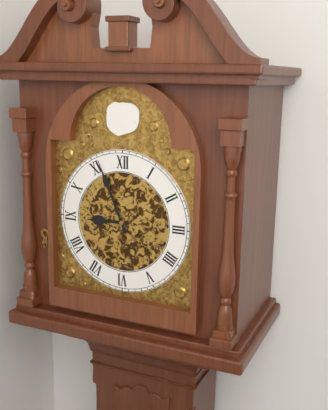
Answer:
8,56
